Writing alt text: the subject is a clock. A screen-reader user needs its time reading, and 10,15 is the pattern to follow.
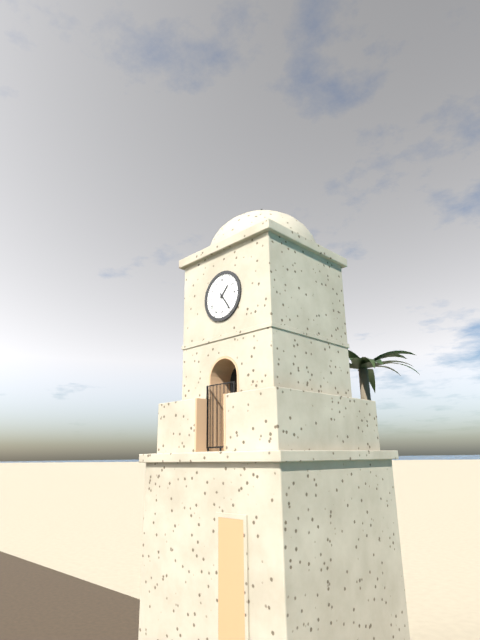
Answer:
1,24
